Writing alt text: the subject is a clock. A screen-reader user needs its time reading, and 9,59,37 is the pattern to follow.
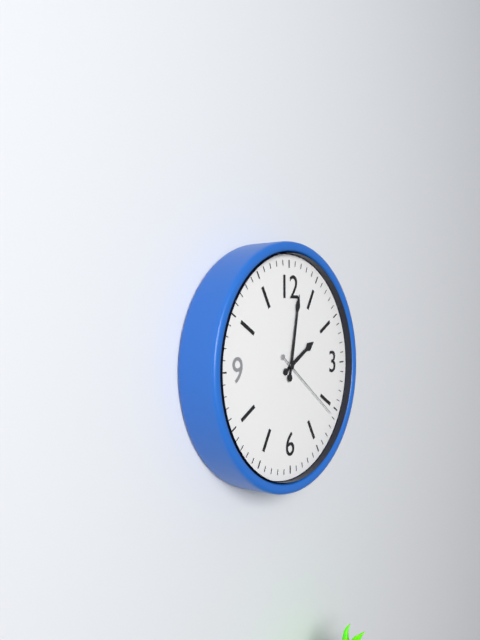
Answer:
2,02,21
